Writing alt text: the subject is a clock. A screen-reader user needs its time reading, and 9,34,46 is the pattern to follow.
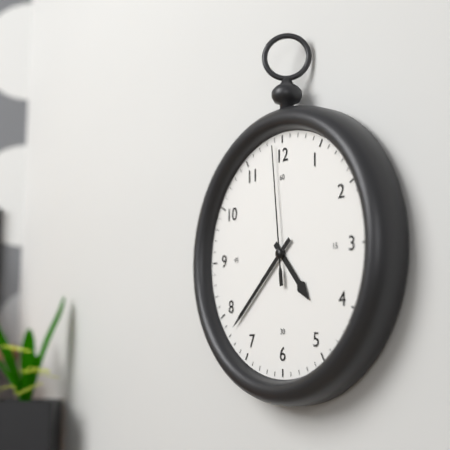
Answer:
4,38,59
